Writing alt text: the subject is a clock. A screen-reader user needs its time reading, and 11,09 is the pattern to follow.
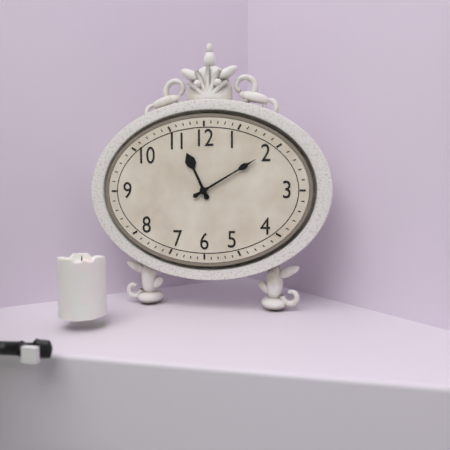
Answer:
11,10
